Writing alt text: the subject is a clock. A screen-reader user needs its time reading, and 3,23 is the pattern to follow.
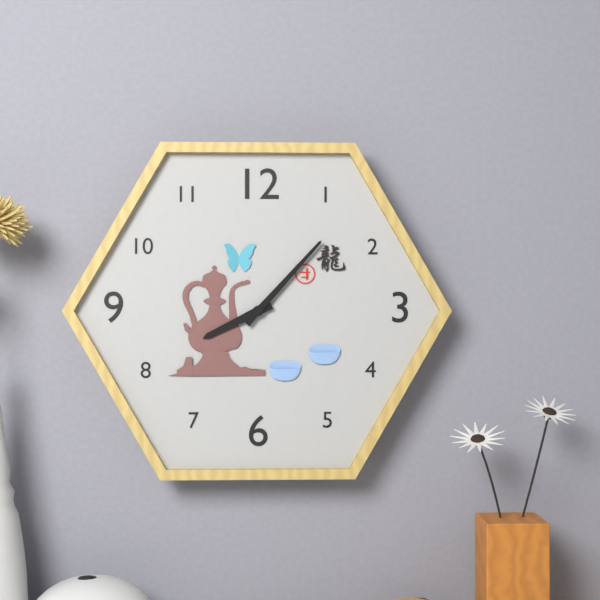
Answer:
8,07
